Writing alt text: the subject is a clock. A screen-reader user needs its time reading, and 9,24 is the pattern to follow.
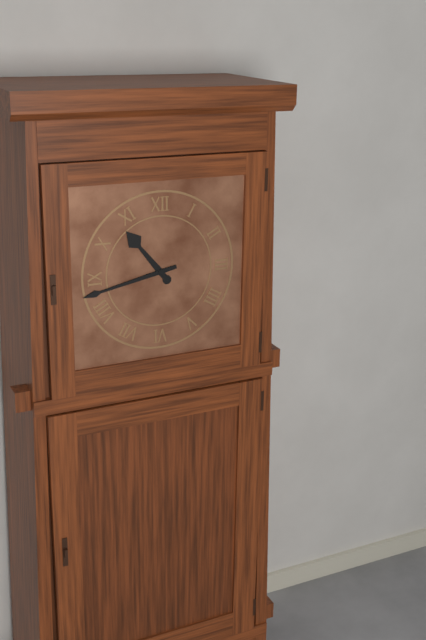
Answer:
10,43
